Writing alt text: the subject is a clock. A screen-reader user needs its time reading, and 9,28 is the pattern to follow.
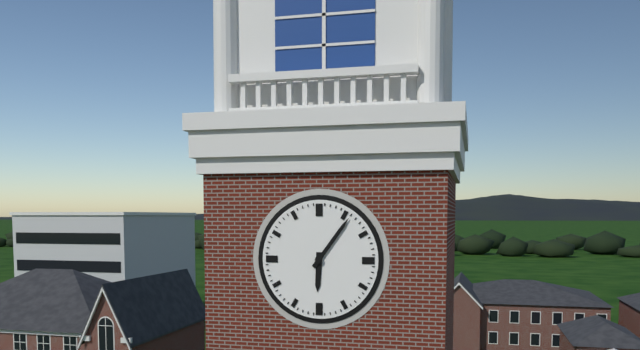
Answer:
6,06
